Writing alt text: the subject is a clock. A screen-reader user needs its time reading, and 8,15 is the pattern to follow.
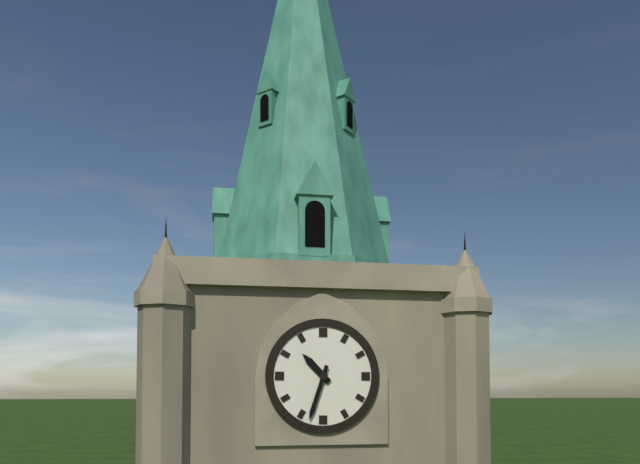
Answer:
10,33
